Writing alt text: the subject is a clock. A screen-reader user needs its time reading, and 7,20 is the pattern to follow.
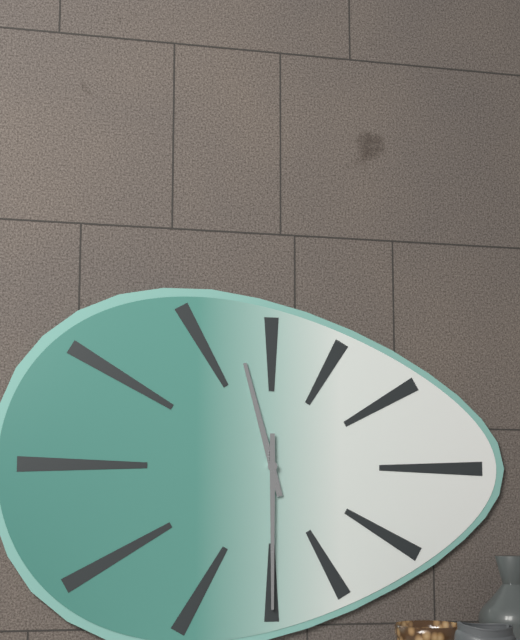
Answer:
11,30
